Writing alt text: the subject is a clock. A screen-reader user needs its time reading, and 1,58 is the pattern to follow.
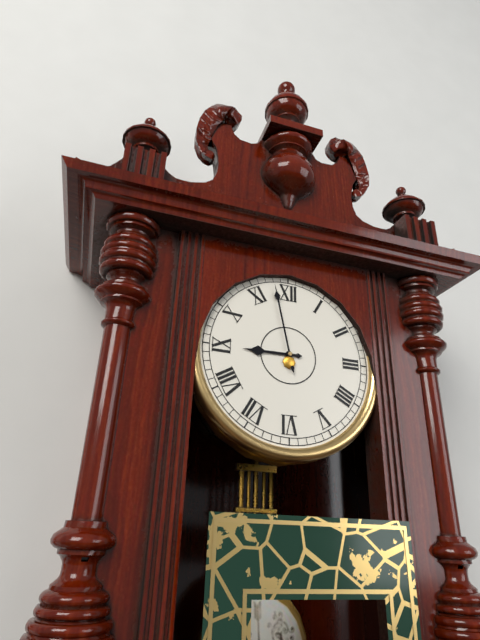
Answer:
8,58
